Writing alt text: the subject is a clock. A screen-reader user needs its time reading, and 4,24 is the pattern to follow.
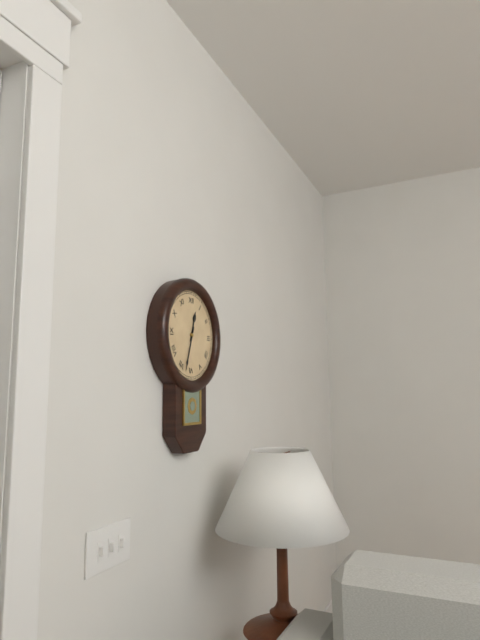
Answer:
12,33
